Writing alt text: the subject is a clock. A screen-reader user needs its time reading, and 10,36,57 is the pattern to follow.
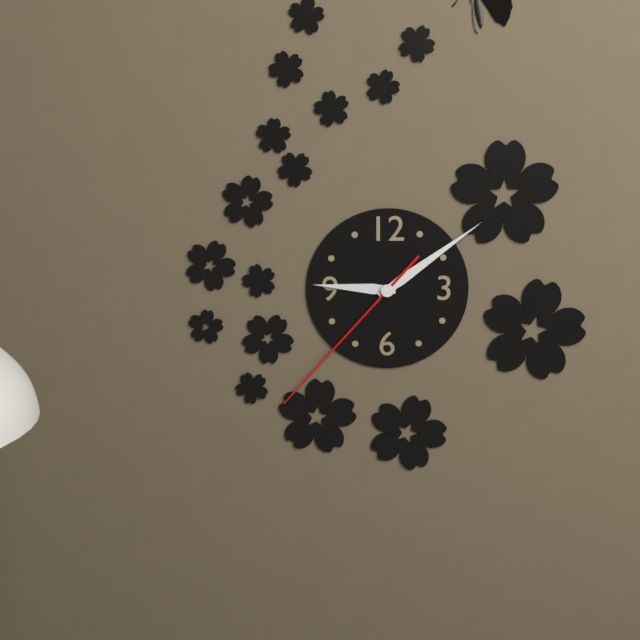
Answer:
9,09,37
